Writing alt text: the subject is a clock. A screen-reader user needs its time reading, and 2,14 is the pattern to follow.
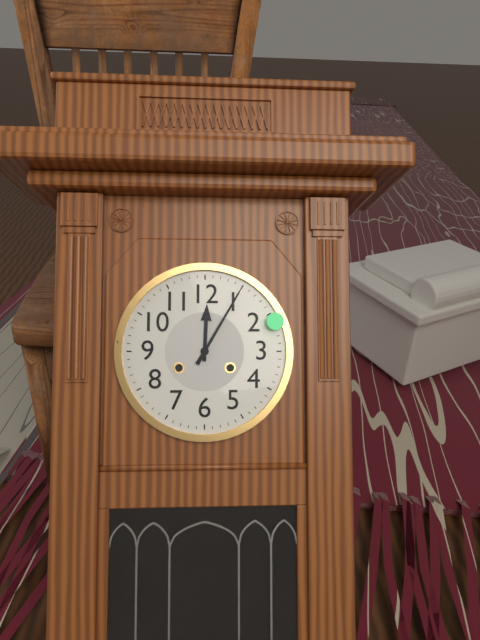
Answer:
12,05
